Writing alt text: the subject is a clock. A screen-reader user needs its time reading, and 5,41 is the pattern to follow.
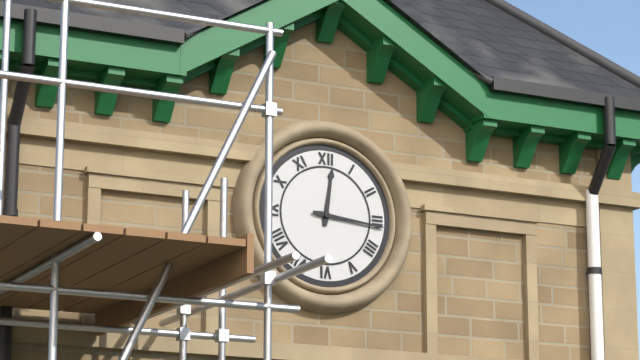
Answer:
12,16
